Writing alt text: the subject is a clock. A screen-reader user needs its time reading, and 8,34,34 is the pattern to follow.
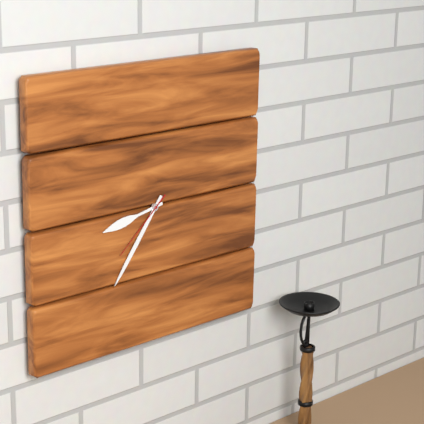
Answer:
8,36,38
